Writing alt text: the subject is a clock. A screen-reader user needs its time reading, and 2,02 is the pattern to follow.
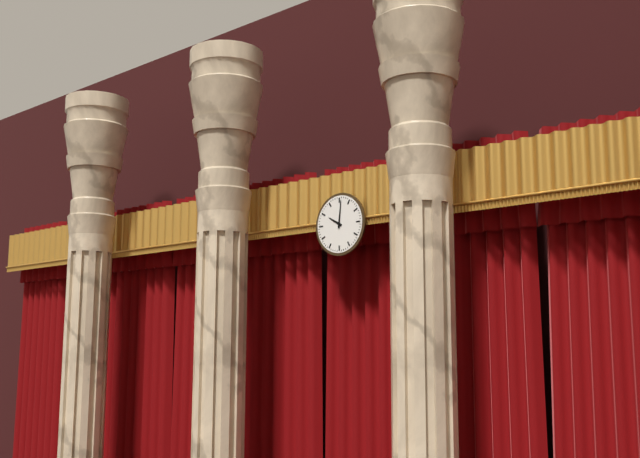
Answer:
10,01
